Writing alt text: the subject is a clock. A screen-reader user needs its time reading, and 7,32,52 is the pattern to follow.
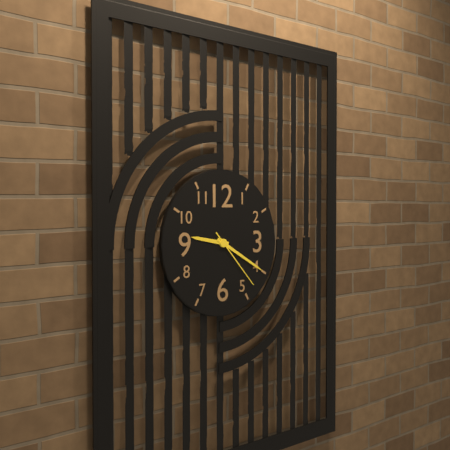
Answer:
9,20,23
